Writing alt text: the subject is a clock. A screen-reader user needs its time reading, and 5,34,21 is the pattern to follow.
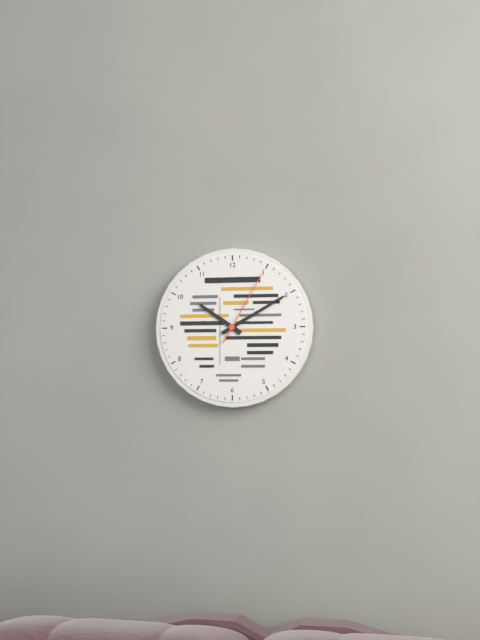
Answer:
10,10,05
